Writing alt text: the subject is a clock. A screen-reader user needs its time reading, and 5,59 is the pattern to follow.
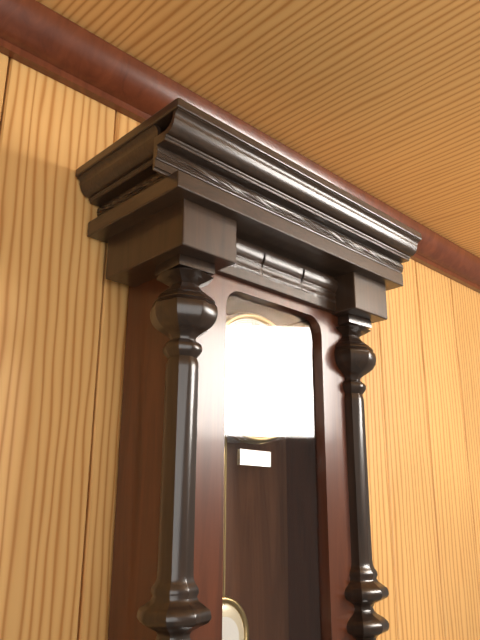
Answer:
11,31
